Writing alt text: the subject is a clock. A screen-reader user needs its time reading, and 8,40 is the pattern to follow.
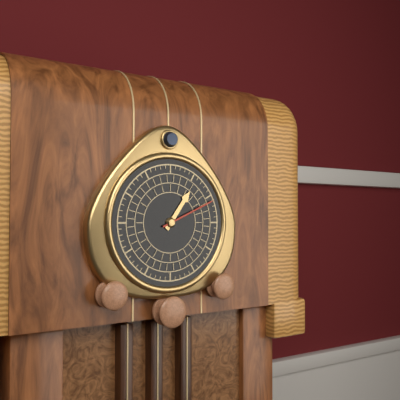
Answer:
1,11
